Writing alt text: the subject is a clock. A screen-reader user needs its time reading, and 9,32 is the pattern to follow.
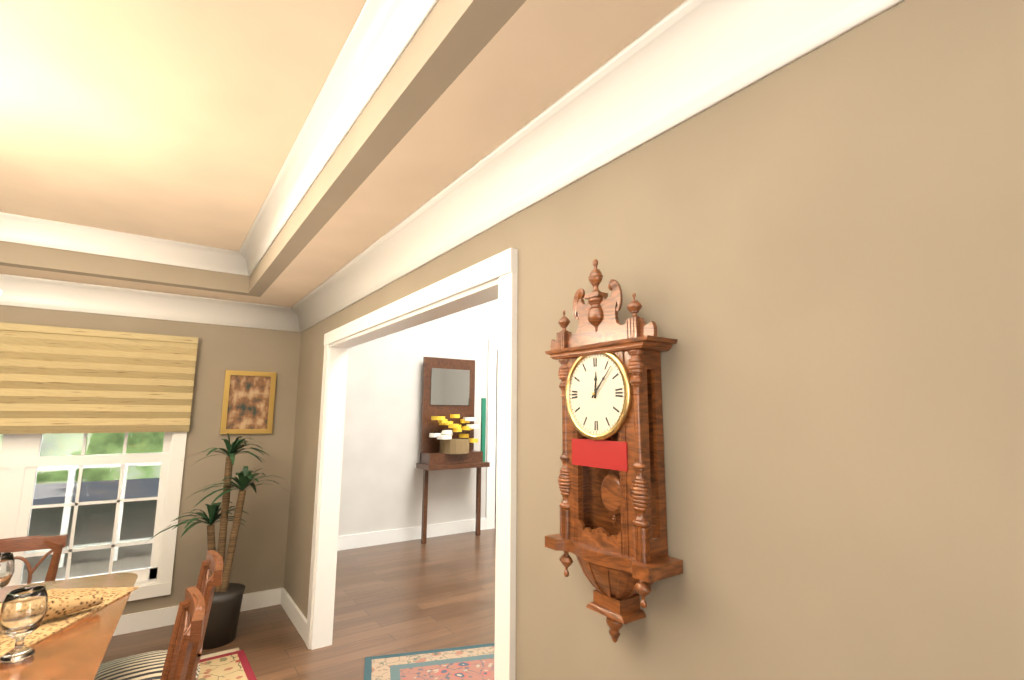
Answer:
12,07
